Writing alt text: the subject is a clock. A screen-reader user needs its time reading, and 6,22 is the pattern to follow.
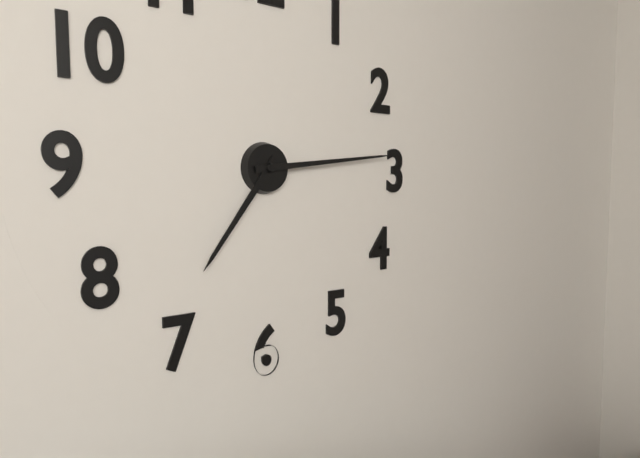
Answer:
7,14
